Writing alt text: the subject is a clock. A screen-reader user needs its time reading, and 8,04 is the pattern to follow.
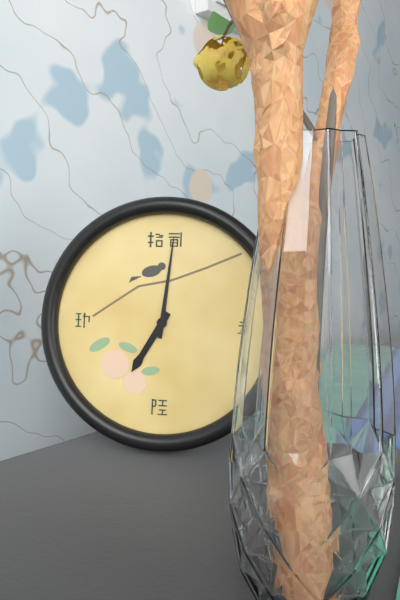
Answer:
7,01
